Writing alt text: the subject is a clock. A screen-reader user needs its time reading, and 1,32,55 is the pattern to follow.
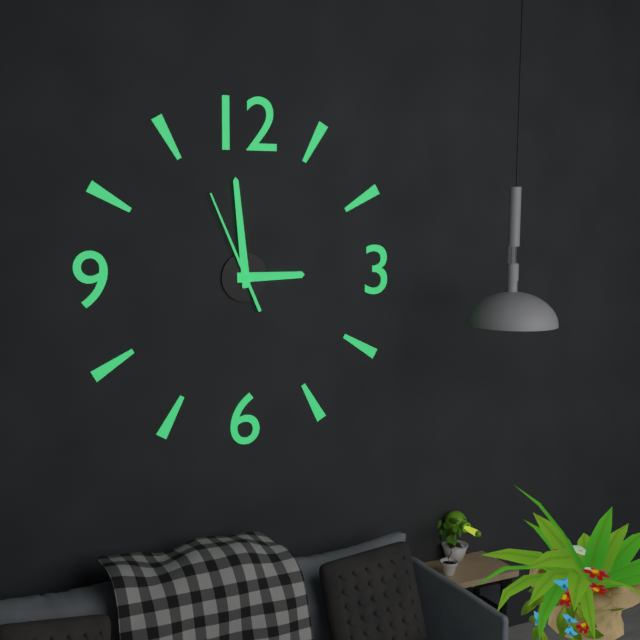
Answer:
2,59,56
